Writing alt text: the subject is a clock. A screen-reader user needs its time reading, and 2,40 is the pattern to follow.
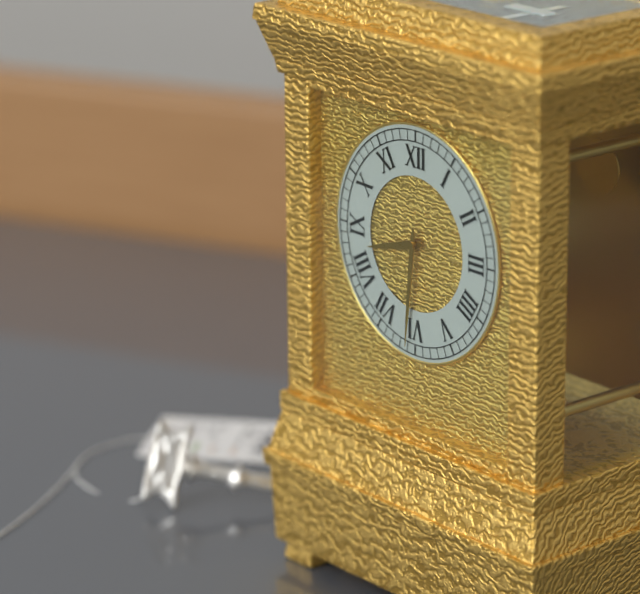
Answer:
8,31
